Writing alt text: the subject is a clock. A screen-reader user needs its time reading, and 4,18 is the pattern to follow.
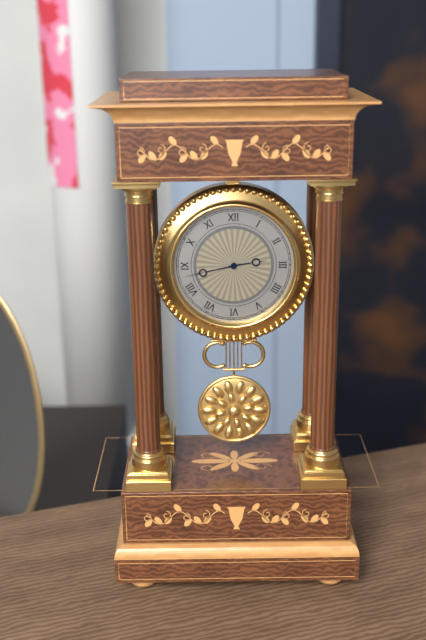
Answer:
2,43
